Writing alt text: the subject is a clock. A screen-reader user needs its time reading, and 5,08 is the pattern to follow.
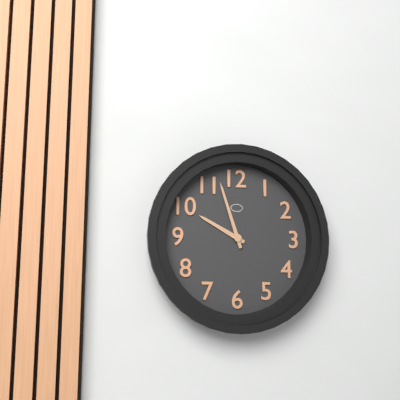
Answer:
9,57
